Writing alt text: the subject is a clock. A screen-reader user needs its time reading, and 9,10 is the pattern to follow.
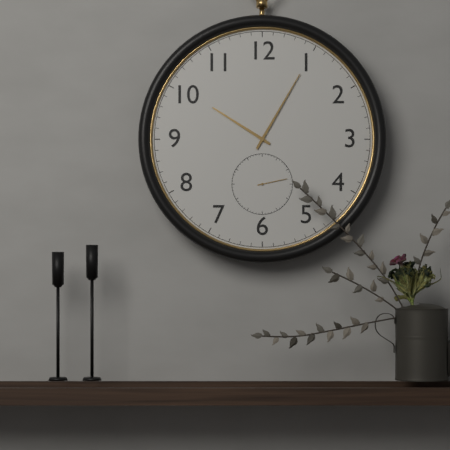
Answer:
10,05
